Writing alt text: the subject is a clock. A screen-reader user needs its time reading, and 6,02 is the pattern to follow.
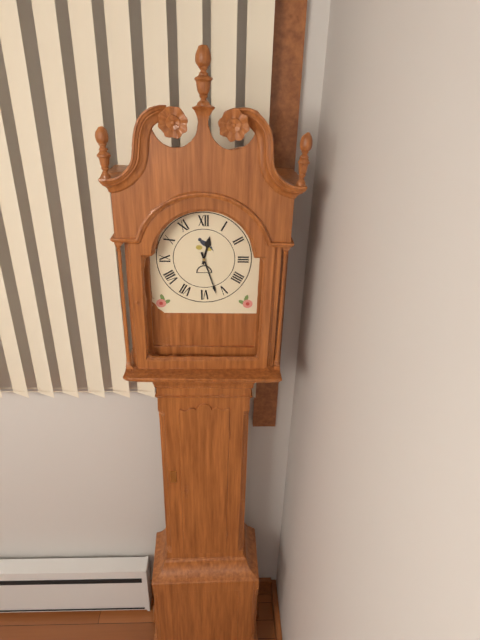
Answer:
12,27
